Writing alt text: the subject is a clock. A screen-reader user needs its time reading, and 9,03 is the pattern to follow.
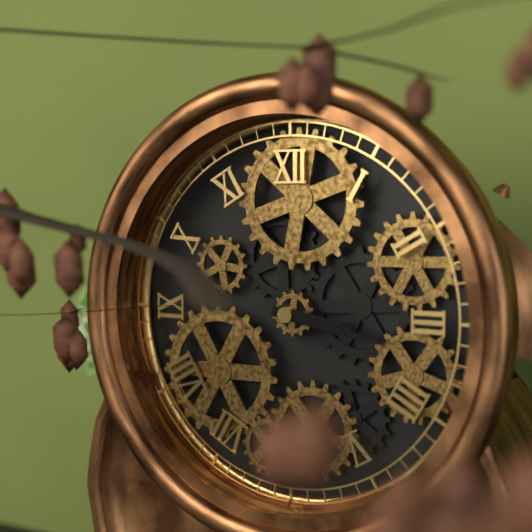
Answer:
3,17
